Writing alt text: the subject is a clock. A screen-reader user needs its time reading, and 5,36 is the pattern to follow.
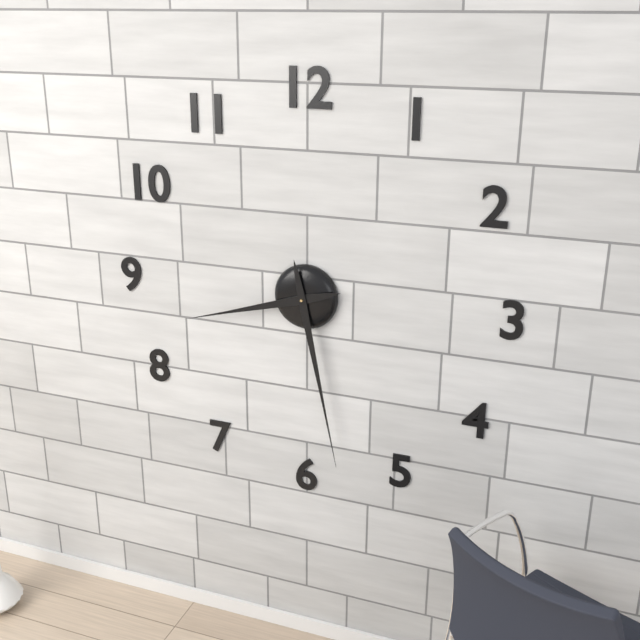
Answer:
8,28
